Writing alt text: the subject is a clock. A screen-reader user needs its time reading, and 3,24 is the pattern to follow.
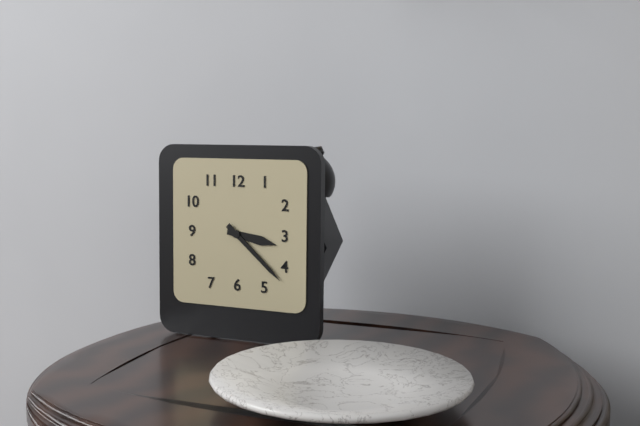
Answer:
3,22
